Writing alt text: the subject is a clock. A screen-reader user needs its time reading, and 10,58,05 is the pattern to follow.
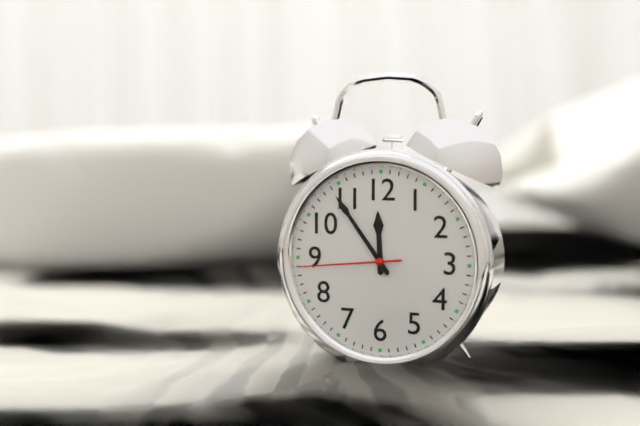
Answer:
11,54,44
